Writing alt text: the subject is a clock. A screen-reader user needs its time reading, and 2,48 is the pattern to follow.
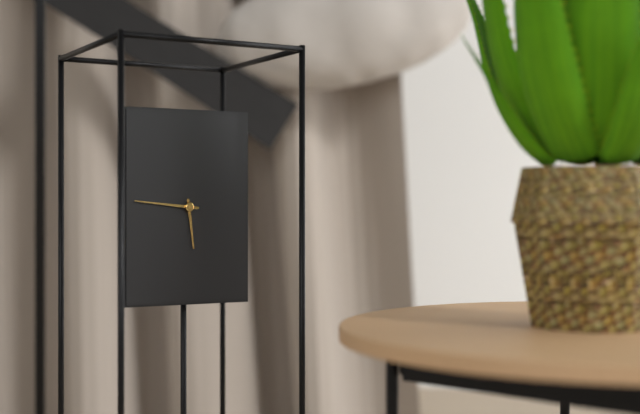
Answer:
5,46
